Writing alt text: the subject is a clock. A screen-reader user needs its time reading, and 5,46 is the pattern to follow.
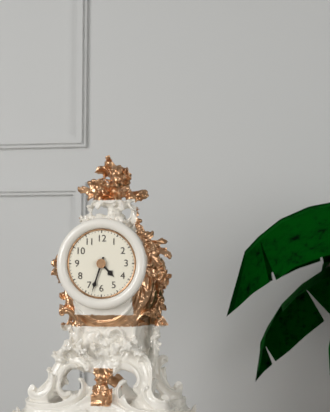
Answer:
4,33
